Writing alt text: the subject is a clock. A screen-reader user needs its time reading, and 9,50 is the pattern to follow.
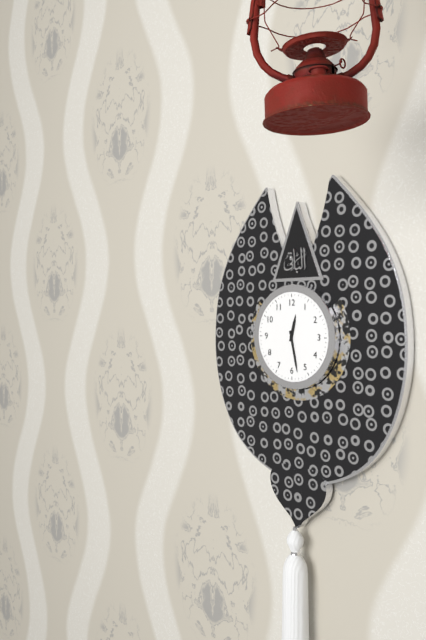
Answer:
12,28
